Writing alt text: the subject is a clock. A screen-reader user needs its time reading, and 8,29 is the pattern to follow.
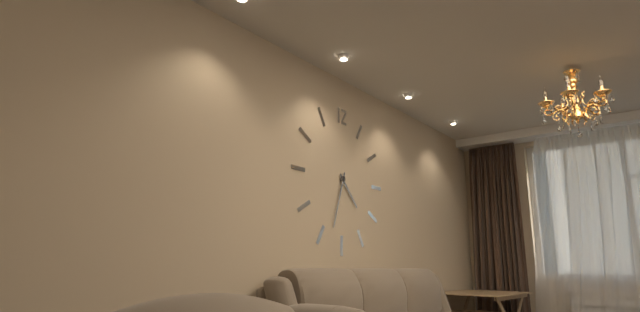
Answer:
4,33
